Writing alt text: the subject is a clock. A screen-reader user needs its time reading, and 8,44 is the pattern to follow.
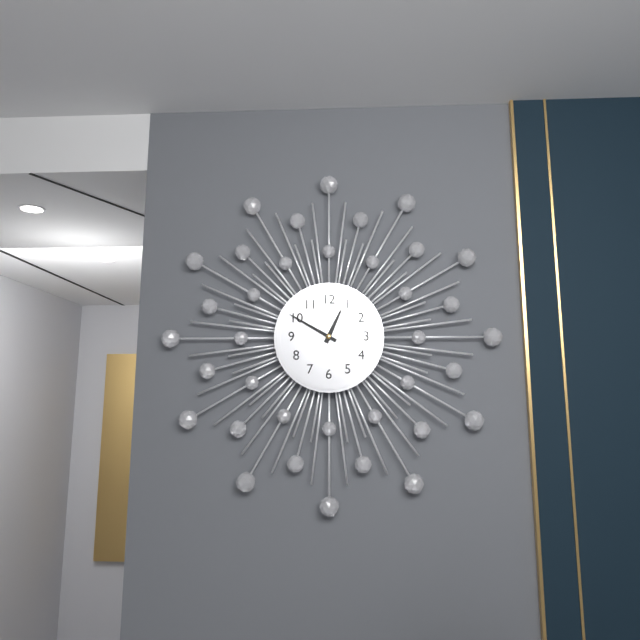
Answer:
12,50
